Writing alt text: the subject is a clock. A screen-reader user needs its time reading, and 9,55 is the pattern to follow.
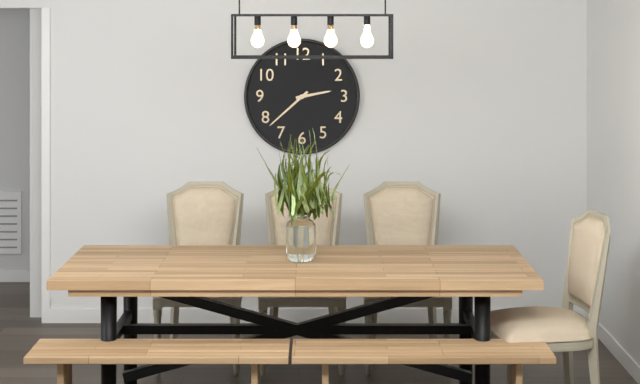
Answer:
2,38
